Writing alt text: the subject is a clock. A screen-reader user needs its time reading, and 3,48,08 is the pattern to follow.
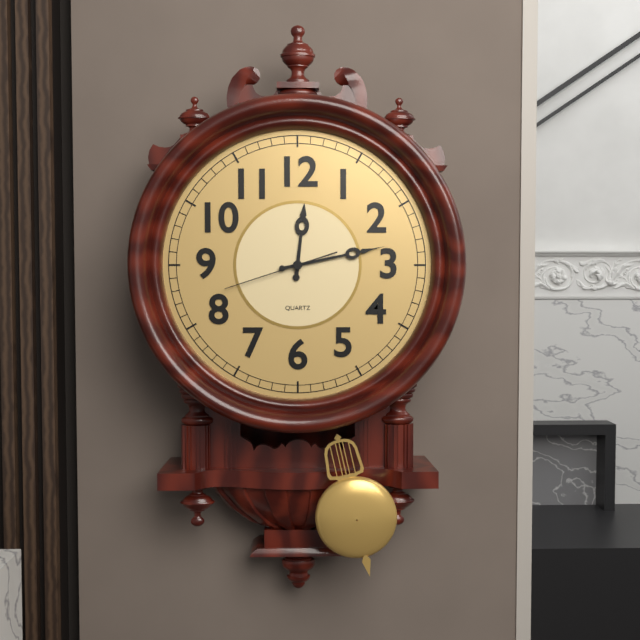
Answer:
12,13,42
